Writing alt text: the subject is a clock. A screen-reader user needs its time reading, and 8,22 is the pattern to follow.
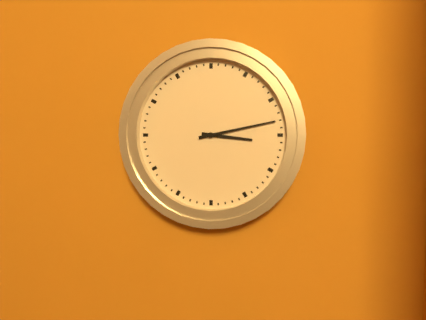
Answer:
3,13
